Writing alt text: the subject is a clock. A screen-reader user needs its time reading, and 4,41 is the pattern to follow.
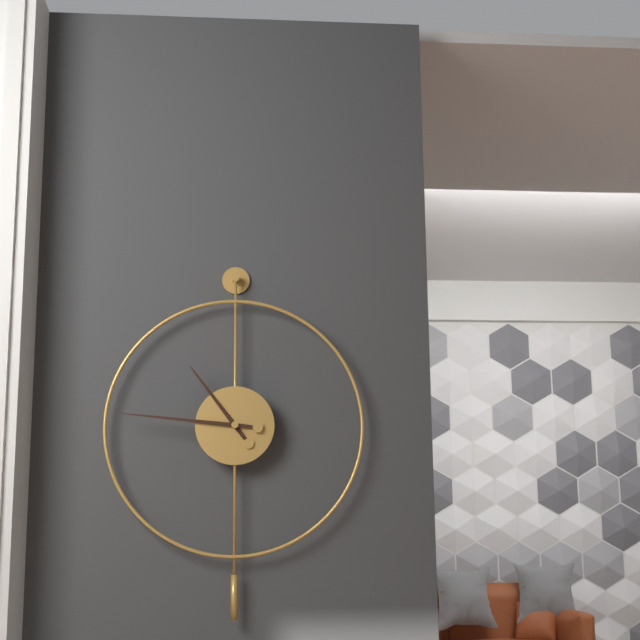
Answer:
10,46
